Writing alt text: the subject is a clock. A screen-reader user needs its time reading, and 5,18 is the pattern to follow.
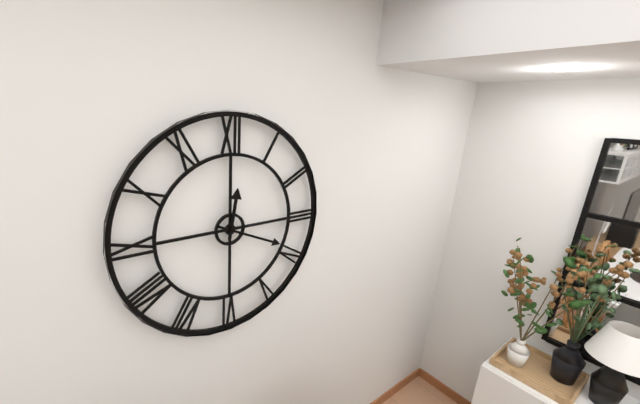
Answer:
12,19
